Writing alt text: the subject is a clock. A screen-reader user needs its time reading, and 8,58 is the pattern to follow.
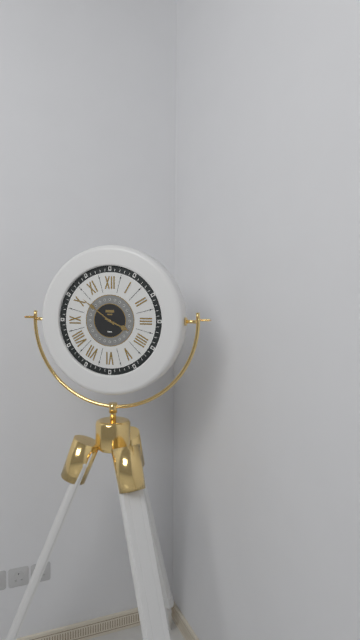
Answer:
3,51
